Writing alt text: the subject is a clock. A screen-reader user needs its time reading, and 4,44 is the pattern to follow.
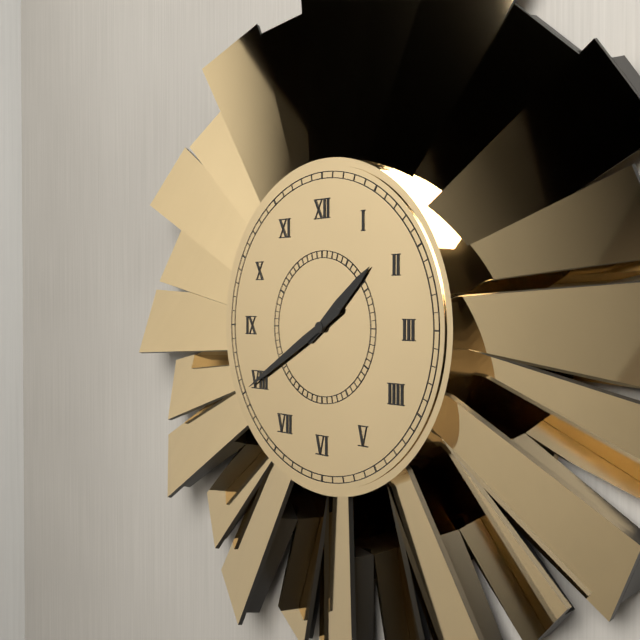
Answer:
1,40
